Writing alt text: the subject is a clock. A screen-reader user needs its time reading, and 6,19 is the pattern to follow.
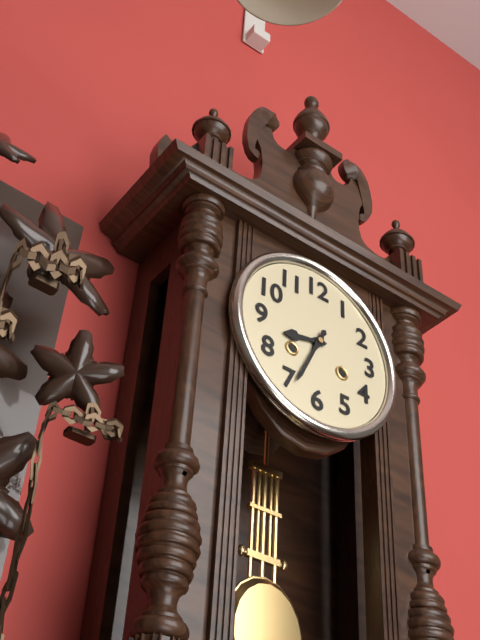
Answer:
8,34
